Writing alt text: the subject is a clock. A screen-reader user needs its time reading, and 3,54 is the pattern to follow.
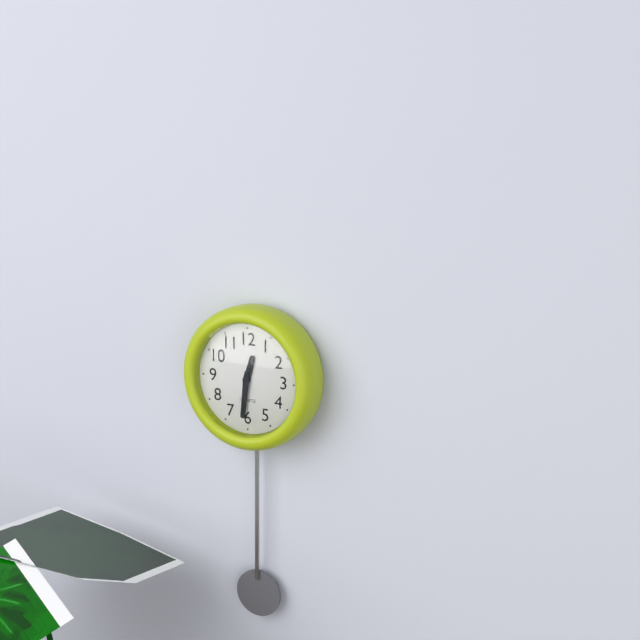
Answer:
12,31
